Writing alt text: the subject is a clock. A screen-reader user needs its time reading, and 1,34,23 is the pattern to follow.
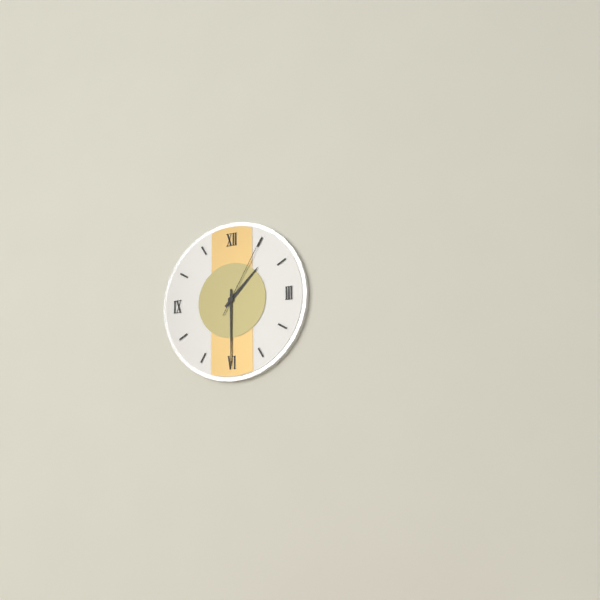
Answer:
1,30,05
